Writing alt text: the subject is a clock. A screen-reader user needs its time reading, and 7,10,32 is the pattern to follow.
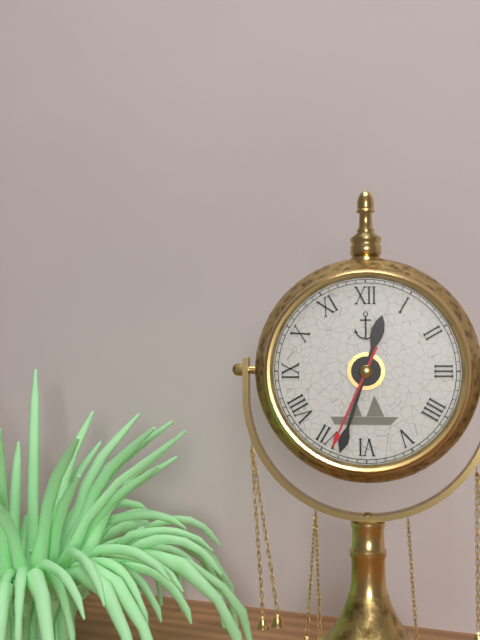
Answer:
12,33,34
